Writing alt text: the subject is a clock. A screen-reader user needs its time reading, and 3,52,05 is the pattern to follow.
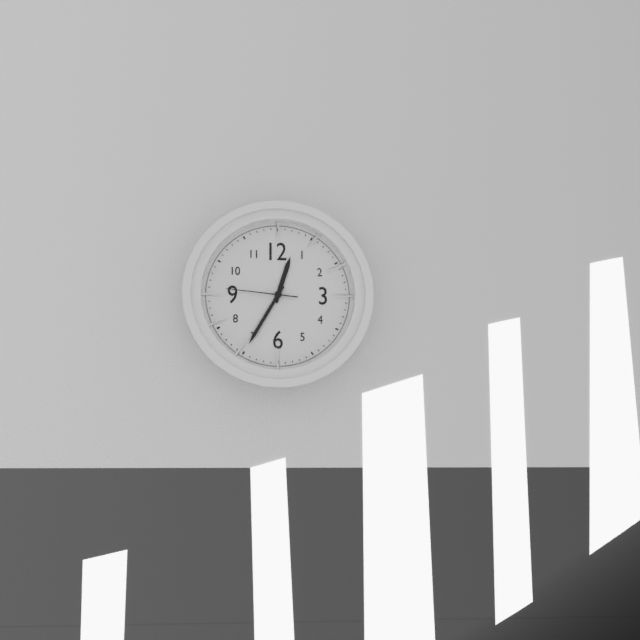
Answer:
12,35,46
